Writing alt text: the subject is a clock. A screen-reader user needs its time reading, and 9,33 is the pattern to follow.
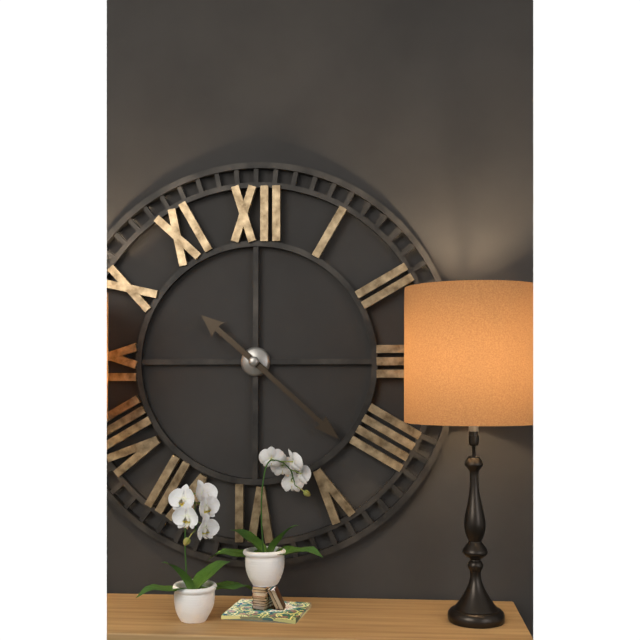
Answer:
10,22
